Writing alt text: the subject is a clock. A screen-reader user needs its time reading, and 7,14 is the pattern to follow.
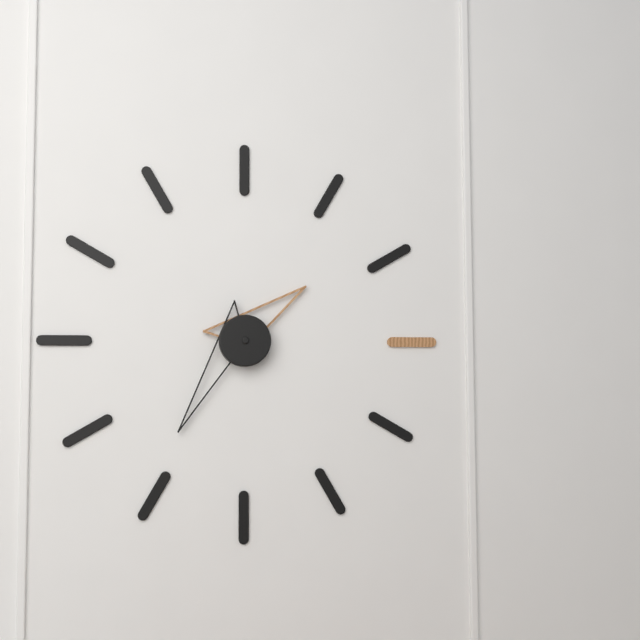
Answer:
1,36
